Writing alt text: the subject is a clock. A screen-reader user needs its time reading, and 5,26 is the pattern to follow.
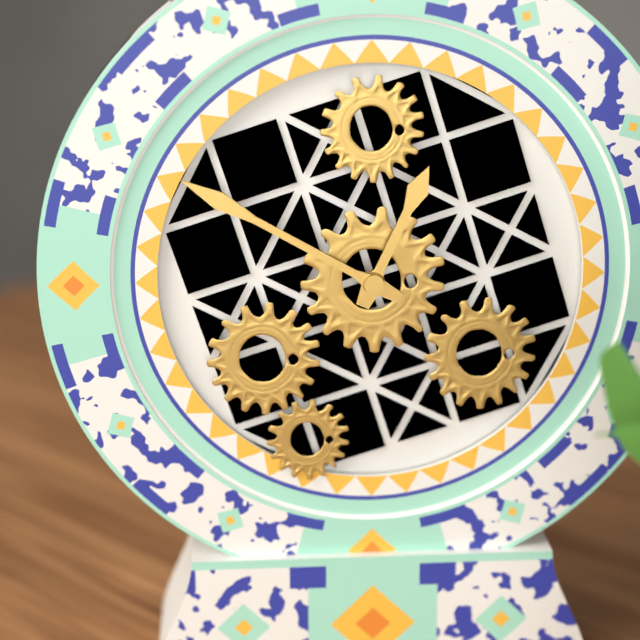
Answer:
12,50
